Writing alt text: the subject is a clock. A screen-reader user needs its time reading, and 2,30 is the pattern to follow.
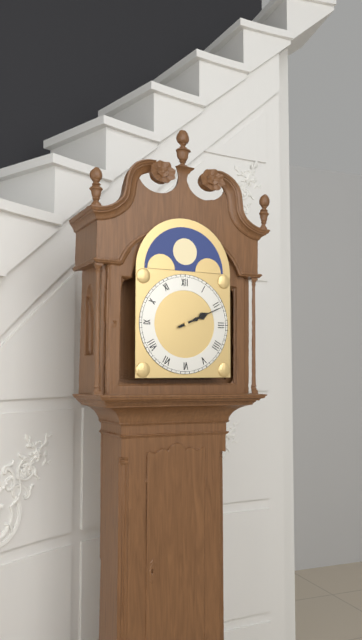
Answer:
2,11
